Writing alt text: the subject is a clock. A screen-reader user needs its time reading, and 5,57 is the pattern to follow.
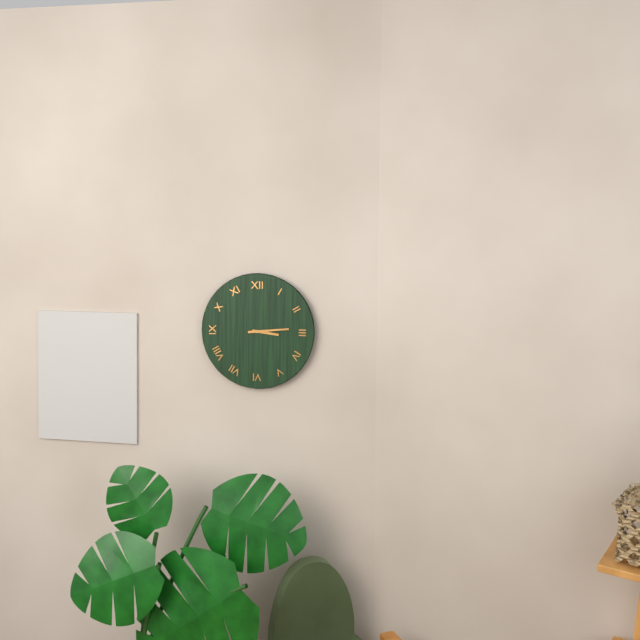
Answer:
3,14
